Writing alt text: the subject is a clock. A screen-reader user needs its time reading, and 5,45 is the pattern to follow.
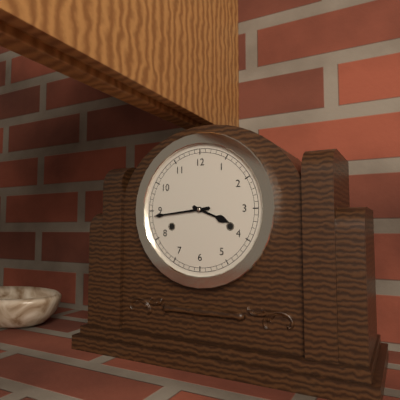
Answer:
3,44
